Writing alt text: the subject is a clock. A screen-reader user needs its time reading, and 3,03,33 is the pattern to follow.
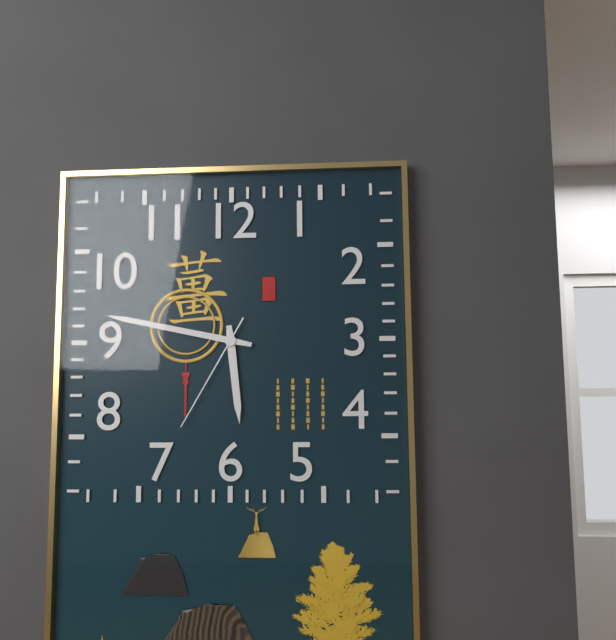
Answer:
5,47,35
